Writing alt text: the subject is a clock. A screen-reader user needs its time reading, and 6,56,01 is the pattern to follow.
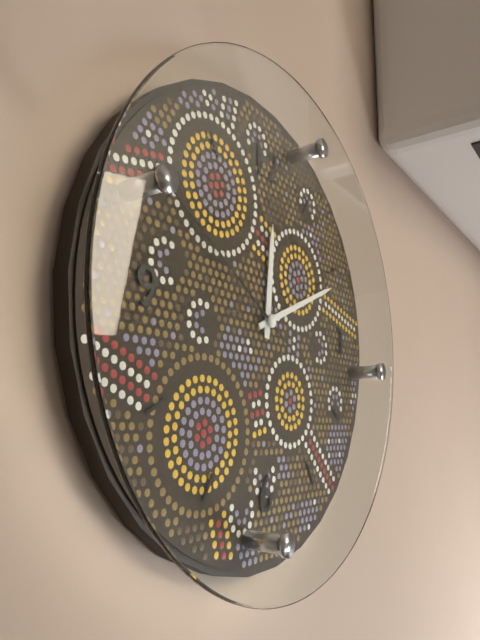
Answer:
12,11,50
